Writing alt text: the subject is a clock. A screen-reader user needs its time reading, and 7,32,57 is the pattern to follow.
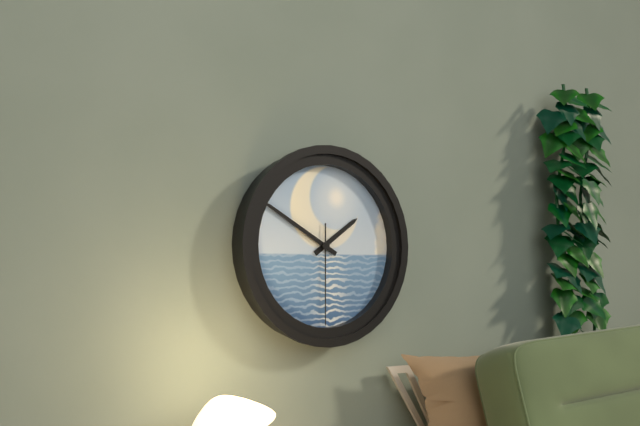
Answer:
1,50,30
